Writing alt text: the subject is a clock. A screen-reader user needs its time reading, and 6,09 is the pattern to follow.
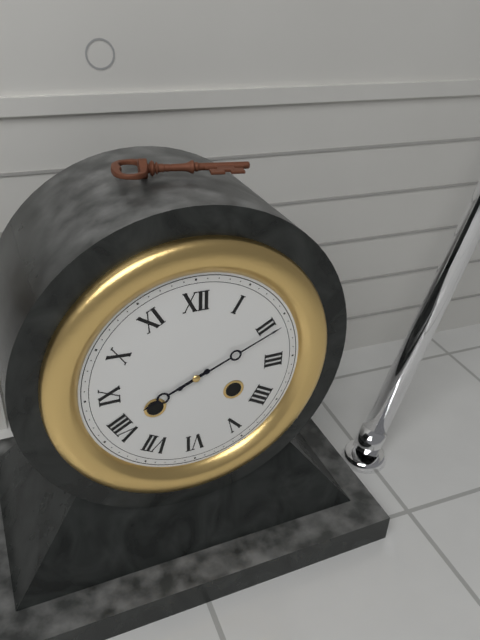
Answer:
8,11
